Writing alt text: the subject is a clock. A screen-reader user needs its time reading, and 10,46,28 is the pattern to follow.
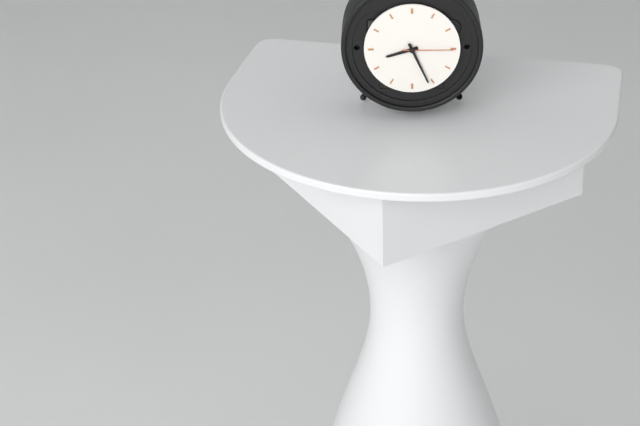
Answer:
8,26,15
